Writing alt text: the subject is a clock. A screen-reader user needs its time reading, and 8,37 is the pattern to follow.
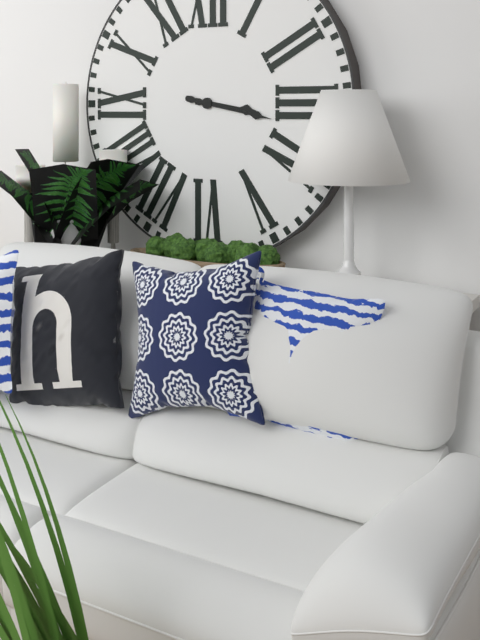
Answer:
3,17
